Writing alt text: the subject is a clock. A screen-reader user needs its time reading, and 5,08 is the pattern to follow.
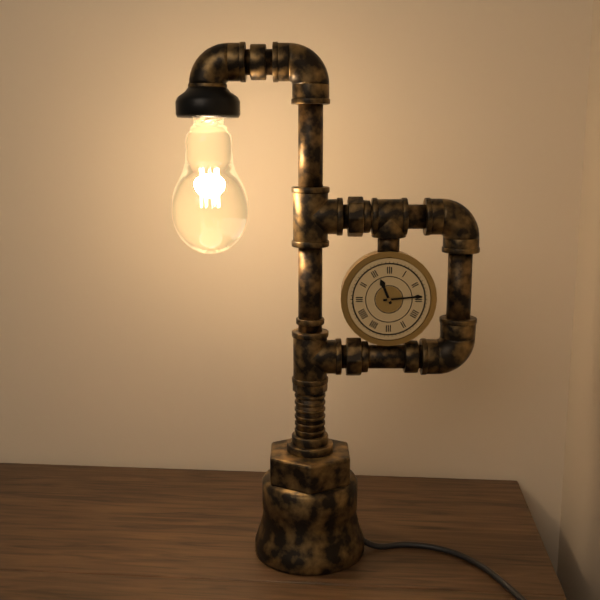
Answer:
11,14
